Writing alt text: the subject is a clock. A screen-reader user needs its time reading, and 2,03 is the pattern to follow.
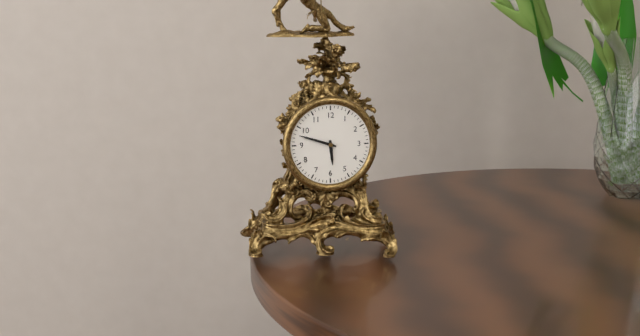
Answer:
5,48
